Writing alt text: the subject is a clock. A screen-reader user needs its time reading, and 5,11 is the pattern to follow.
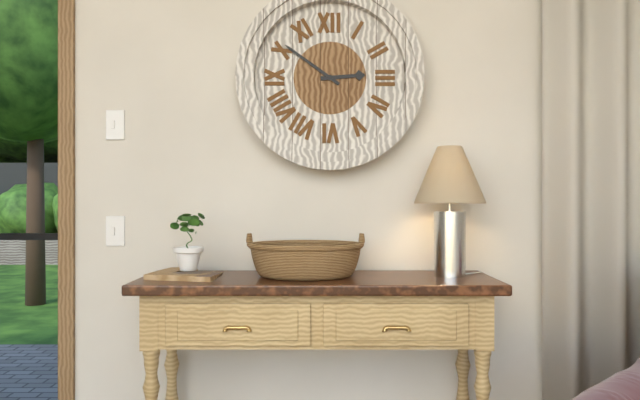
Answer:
2,51
